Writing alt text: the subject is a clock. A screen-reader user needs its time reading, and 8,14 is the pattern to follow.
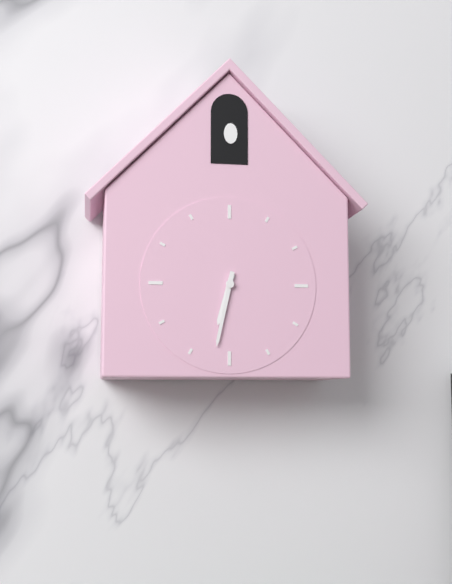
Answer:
6,32
